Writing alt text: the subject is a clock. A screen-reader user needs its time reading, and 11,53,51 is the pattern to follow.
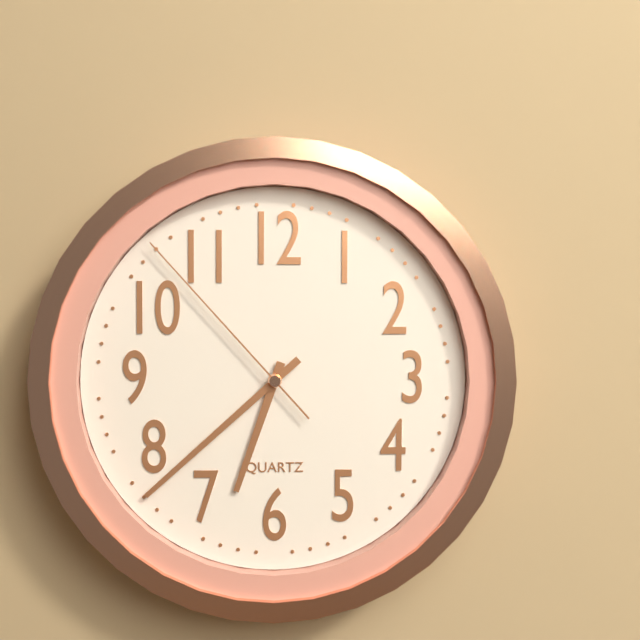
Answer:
6,38,53
